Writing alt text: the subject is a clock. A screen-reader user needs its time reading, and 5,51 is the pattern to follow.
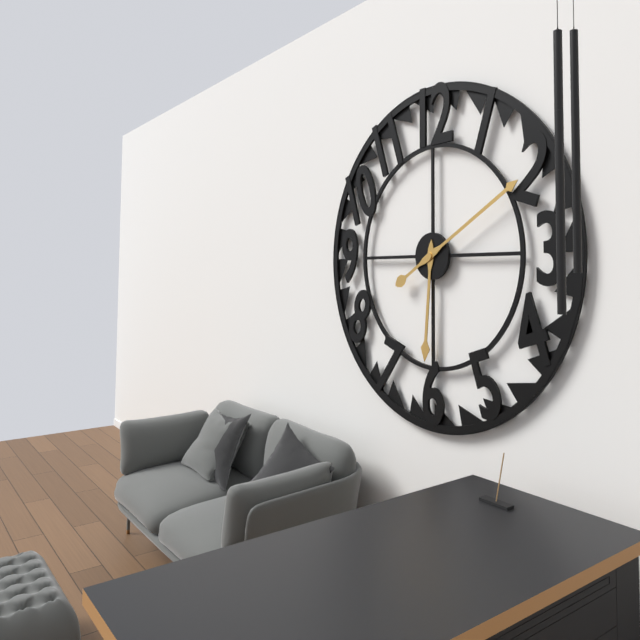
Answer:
6,10
